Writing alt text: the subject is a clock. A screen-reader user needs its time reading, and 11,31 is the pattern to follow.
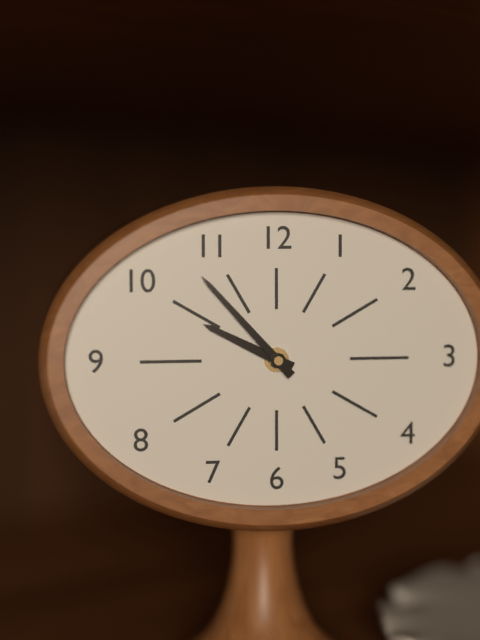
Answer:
9,53
